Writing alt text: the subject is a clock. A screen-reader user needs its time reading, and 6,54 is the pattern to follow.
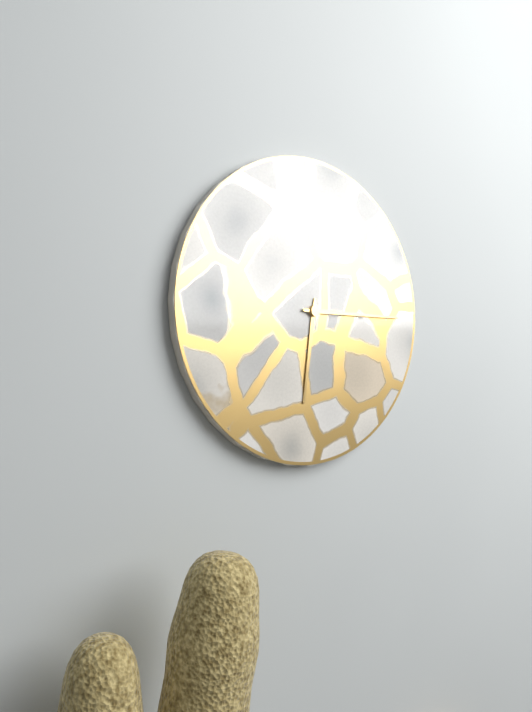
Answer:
6,15
